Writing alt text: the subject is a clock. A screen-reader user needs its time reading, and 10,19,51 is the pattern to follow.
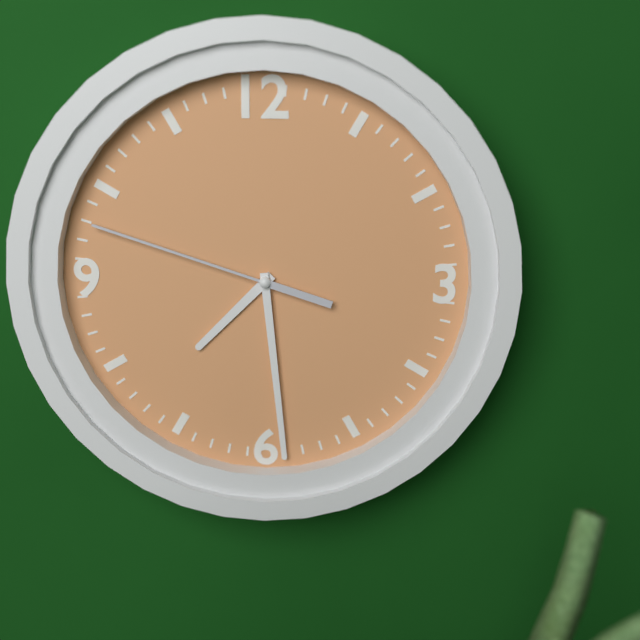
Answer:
7,29,48
